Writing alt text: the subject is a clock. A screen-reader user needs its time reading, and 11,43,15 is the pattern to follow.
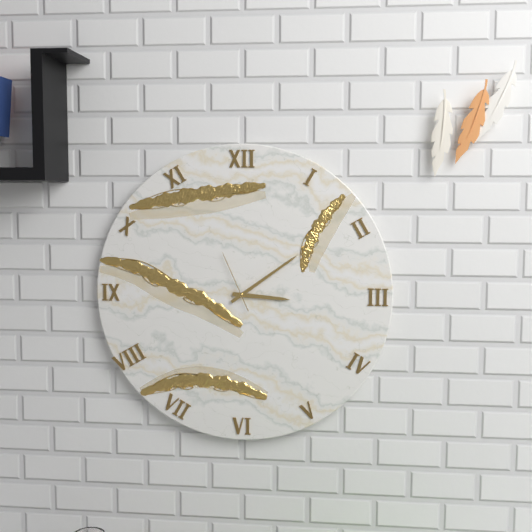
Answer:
3,09,56
